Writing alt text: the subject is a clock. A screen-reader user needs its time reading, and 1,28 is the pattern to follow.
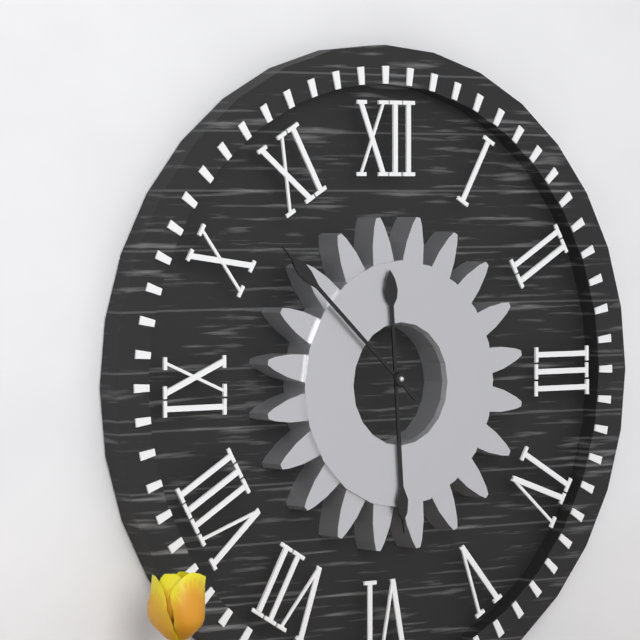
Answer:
5,52
